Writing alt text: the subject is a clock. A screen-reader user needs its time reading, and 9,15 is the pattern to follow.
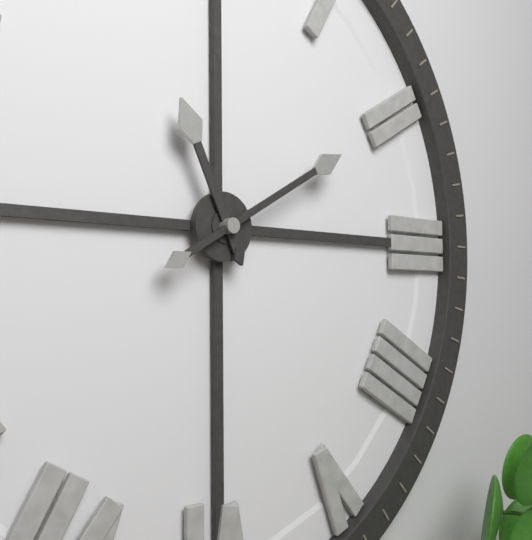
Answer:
11,10
